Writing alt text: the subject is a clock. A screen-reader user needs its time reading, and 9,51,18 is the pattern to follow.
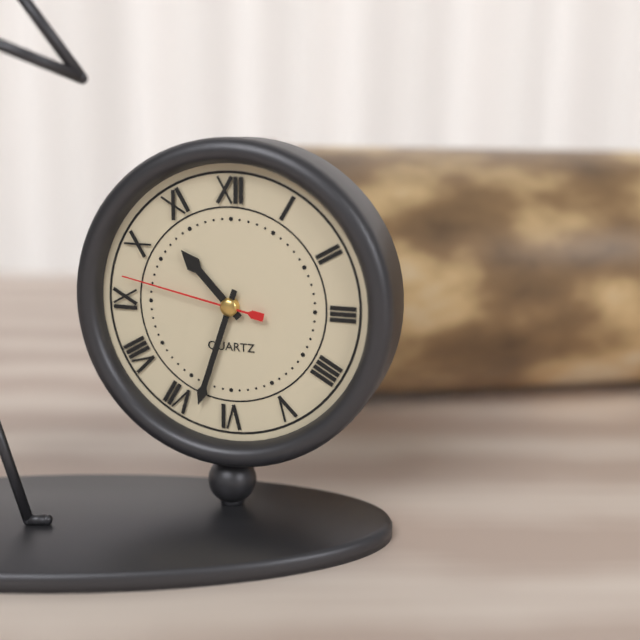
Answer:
10,33,47
